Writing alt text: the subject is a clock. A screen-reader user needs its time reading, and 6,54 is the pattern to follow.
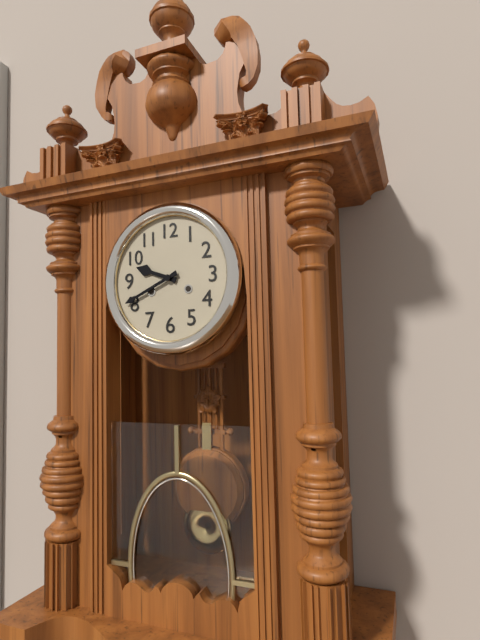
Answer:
9,41
